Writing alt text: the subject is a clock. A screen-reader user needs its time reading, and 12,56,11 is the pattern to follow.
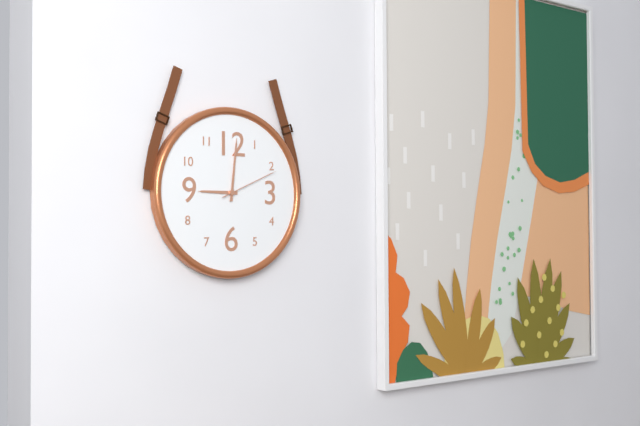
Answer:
9,01,11
